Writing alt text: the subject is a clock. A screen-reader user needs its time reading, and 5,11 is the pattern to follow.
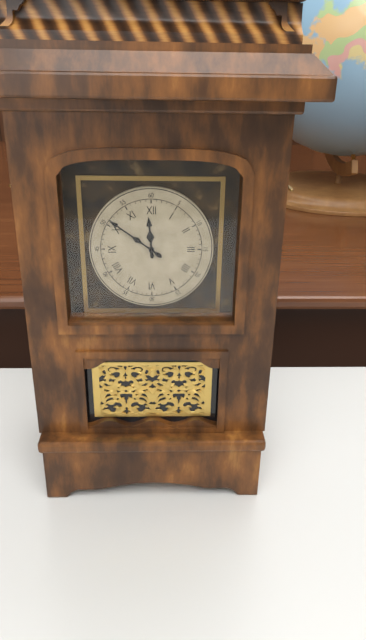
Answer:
11,51
